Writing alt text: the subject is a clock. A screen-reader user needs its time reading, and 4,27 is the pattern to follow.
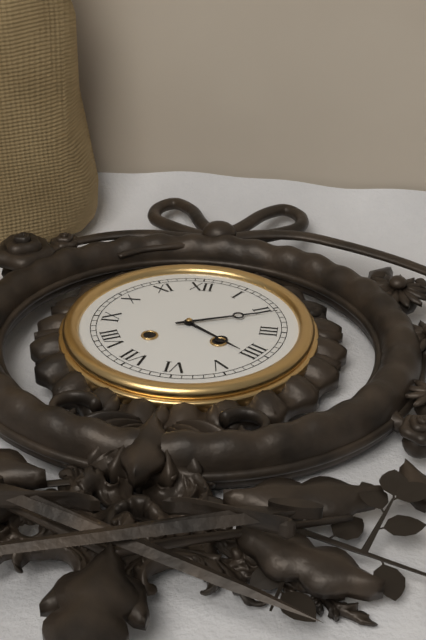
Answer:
4,11
